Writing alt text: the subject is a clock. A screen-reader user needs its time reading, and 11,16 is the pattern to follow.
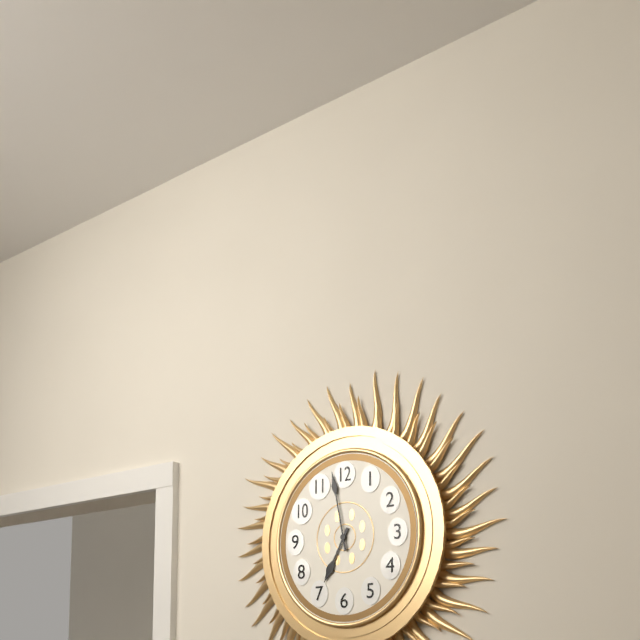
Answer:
6,58
